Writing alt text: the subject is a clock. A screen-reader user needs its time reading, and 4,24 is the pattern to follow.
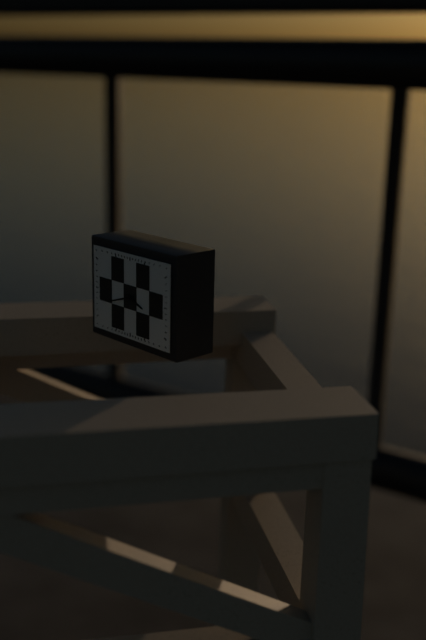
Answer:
3,42
